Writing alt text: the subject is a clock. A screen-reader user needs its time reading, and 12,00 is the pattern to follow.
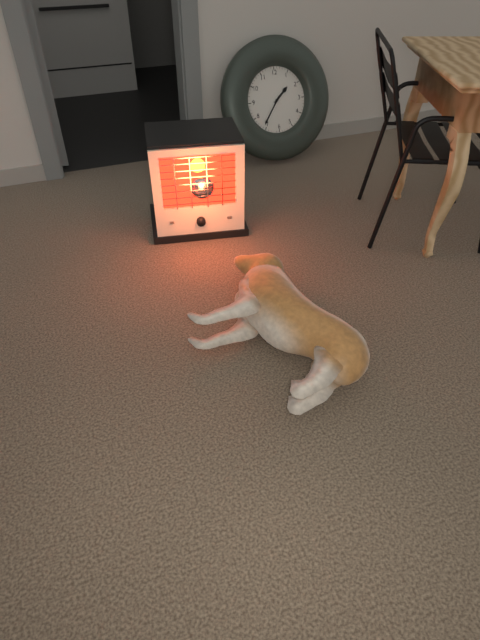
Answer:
1,36
